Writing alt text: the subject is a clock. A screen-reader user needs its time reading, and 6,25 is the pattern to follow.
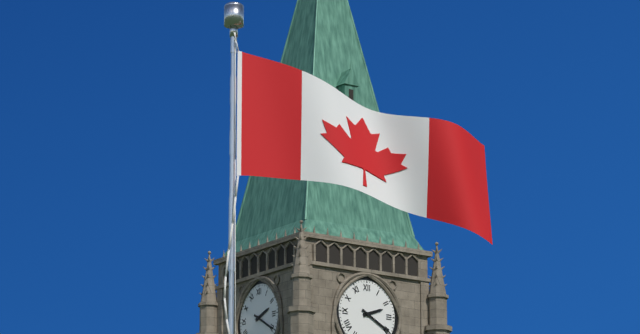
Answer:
2,20
